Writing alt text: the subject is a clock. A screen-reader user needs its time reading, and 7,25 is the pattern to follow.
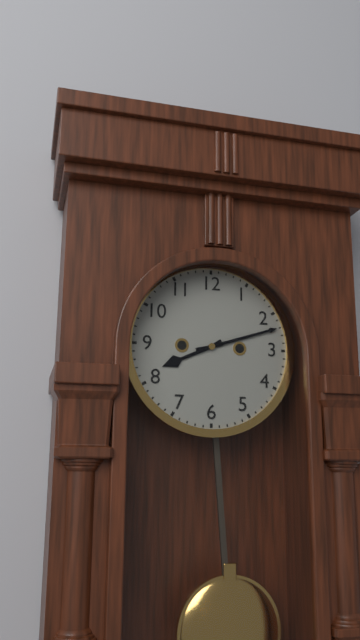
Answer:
8,12
